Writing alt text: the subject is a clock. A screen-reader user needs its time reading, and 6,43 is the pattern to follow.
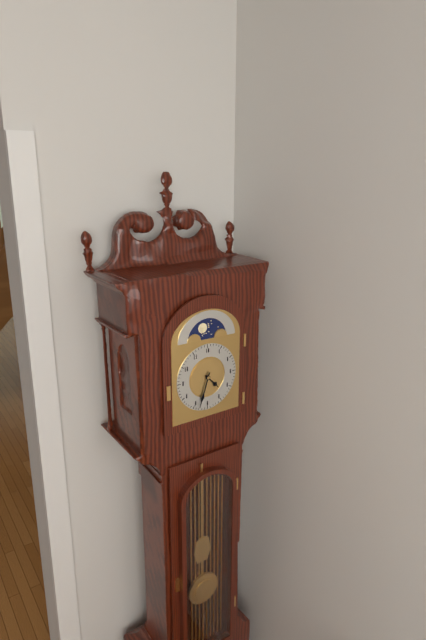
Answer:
4,33
